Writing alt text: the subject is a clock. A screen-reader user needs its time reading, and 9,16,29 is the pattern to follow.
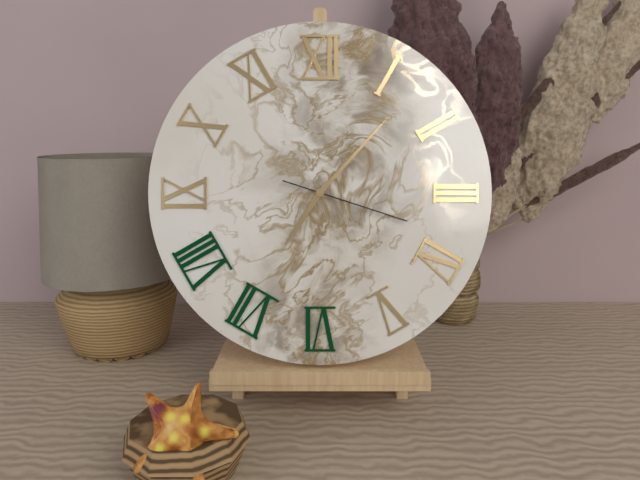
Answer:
7,07,18
